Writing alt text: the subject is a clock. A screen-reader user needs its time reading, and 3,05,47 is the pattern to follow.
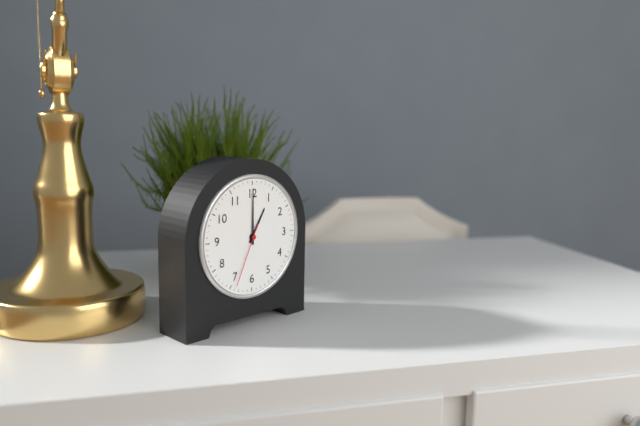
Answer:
1,00,34
